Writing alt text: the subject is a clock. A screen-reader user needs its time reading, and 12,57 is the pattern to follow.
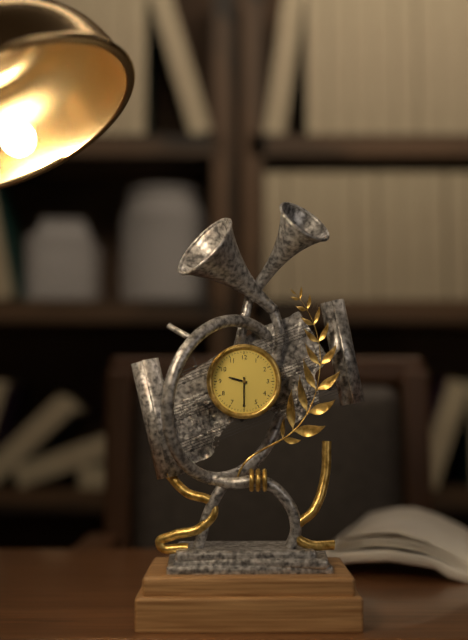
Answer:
9,30
